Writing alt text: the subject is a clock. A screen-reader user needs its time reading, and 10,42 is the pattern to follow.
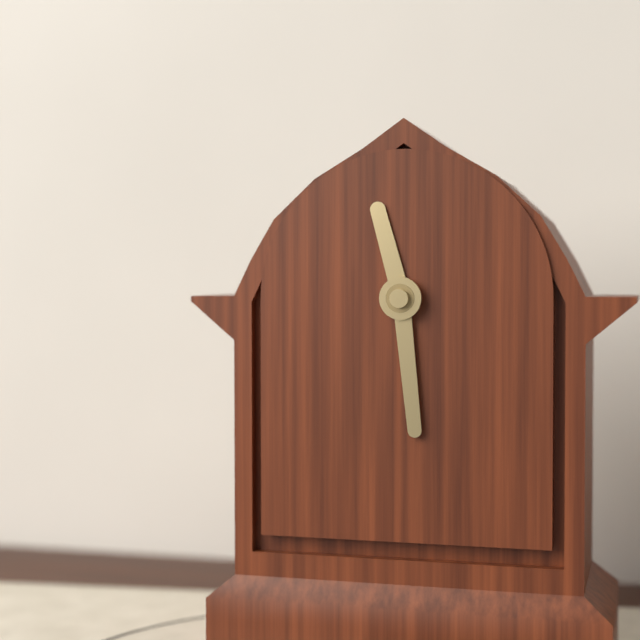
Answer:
11,29
